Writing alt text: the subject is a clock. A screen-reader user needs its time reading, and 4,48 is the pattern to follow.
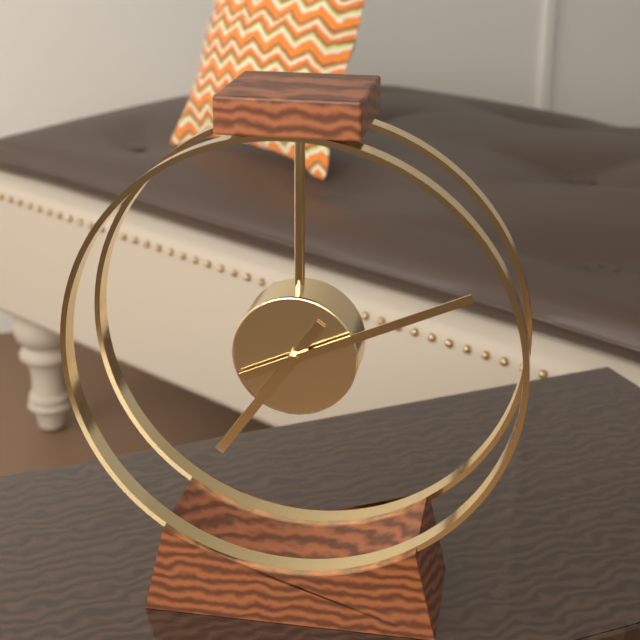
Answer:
7,11
